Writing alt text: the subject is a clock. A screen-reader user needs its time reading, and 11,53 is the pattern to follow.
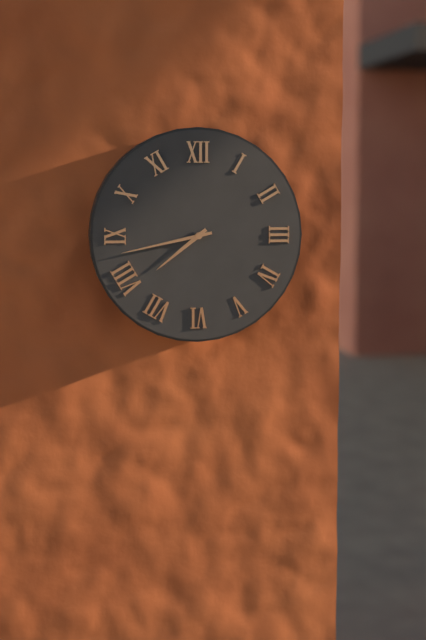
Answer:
7,43
